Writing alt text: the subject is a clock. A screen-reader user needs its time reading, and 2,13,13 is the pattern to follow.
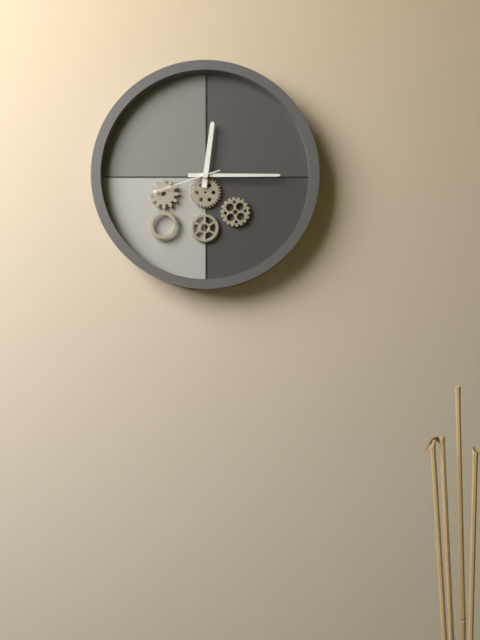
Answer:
12,15,42
